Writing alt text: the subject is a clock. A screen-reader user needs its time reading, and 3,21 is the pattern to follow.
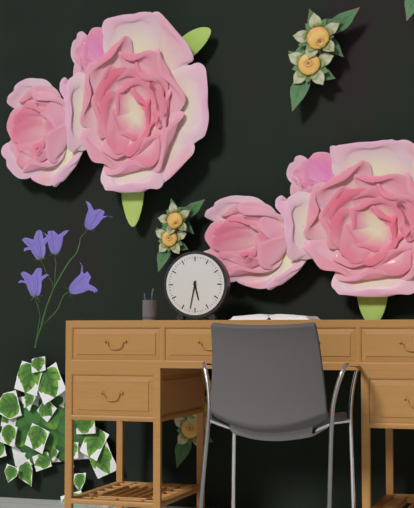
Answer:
5,32
